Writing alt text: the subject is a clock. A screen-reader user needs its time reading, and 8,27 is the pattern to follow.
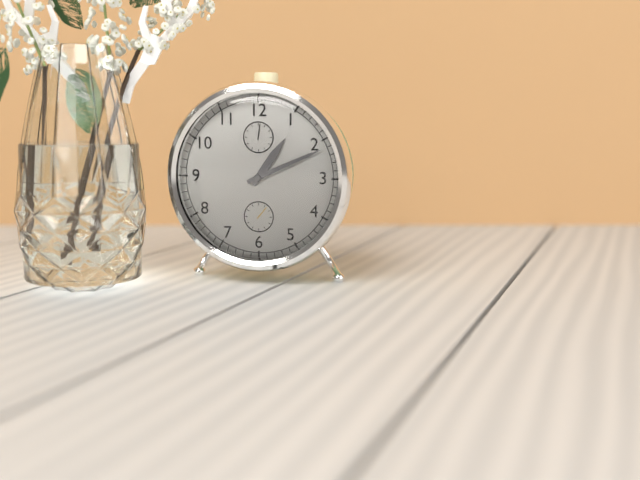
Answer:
1,11
